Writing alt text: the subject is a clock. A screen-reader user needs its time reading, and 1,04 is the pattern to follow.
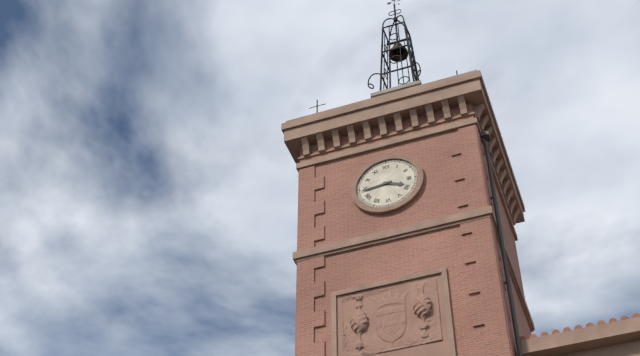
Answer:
3,44
